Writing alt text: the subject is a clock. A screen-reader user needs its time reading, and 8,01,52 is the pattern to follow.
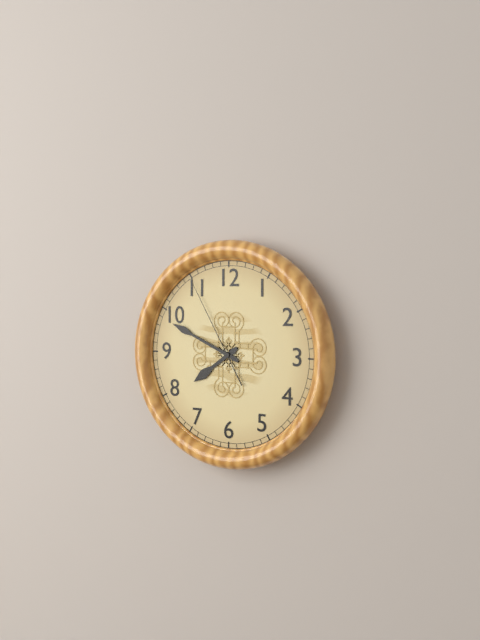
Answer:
7,49,55
